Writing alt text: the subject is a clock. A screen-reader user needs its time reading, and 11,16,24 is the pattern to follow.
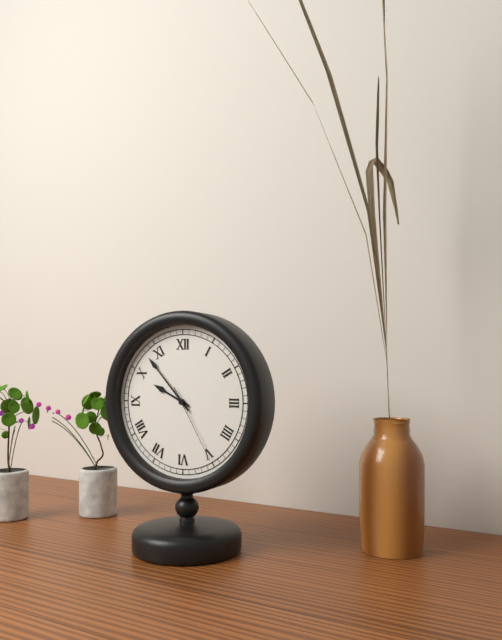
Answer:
9,53,25
